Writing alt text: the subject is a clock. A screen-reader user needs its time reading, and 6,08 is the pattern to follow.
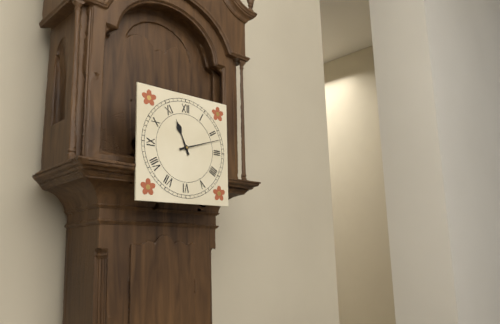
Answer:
11,12
